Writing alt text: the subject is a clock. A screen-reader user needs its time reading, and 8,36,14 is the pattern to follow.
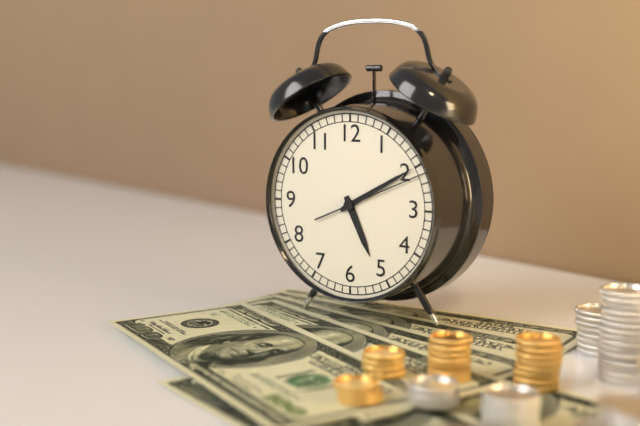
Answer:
5,10,11
